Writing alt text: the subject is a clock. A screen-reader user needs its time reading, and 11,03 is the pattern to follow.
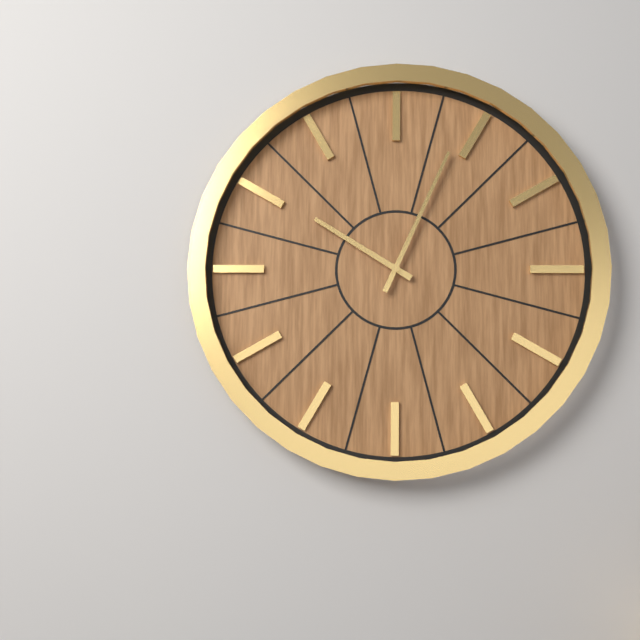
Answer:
10,04
